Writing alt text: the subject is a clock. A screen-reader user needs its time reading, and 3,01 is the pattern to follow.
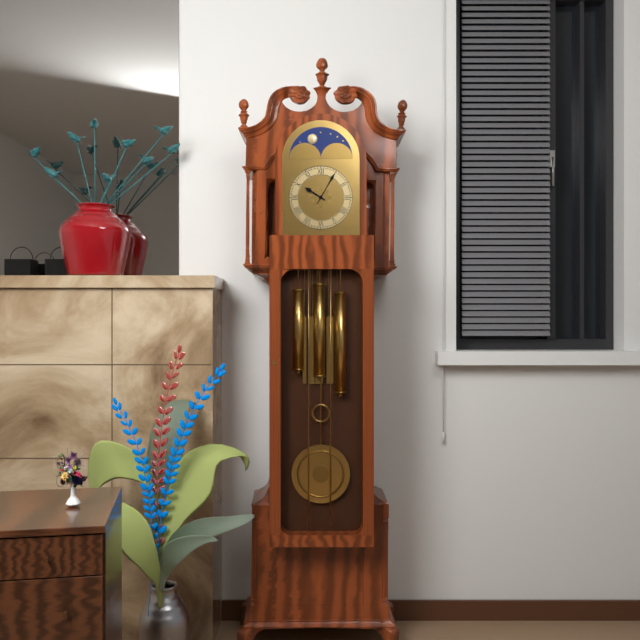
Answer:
10,05
